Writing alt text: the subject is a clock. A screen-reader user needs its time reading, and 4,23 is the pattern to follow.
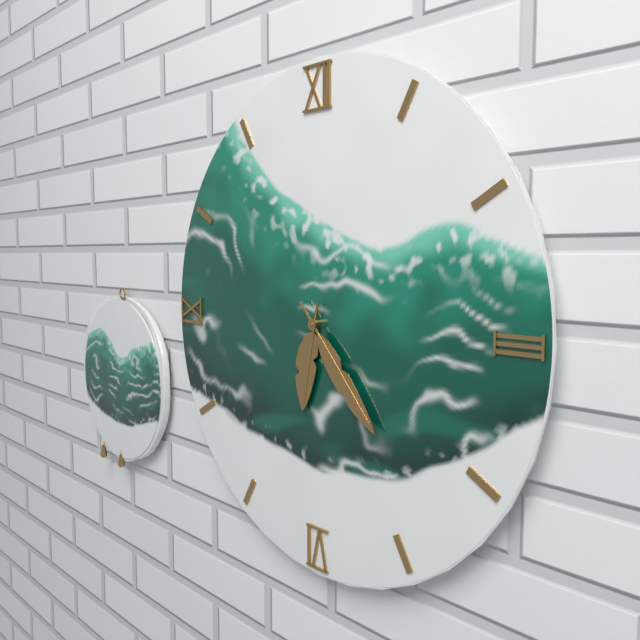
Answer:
6,23
